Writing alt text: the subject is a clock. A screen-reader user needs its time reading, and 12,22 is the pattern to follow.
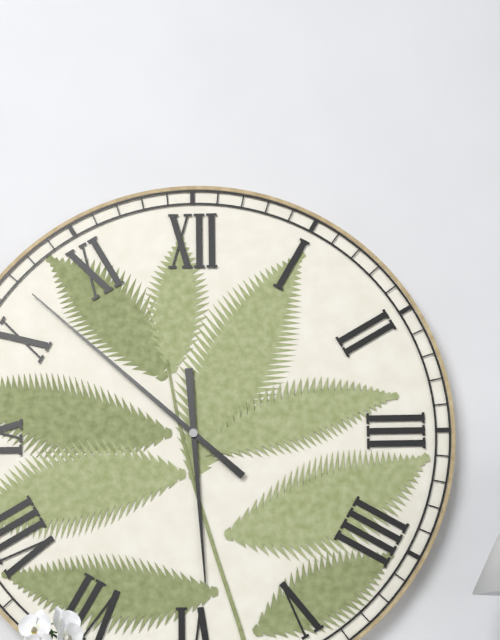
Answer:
5,52
